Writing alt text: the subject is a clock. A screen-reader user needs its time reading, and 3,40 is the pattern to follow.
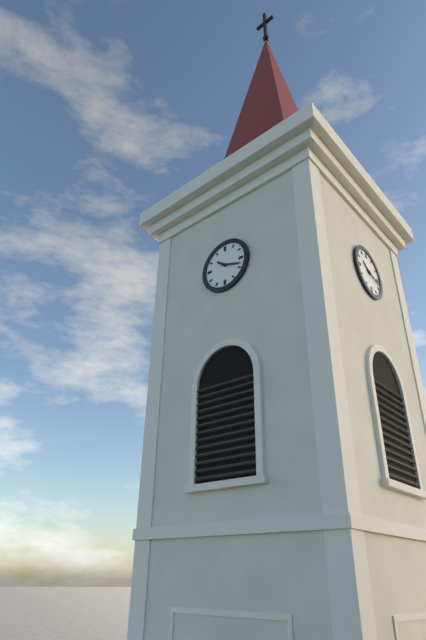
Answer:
10,18
